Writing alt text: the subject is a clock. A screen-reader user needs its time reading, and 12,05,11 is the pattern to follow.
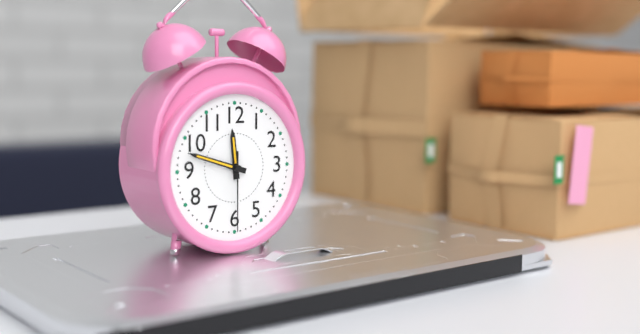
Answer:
11,48,30
